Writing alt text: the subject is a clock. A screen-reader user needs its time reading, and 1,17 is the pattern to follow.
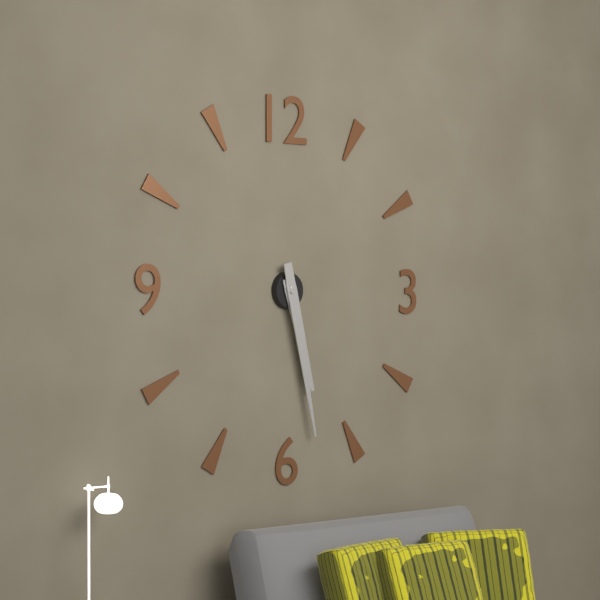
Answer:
5,28
